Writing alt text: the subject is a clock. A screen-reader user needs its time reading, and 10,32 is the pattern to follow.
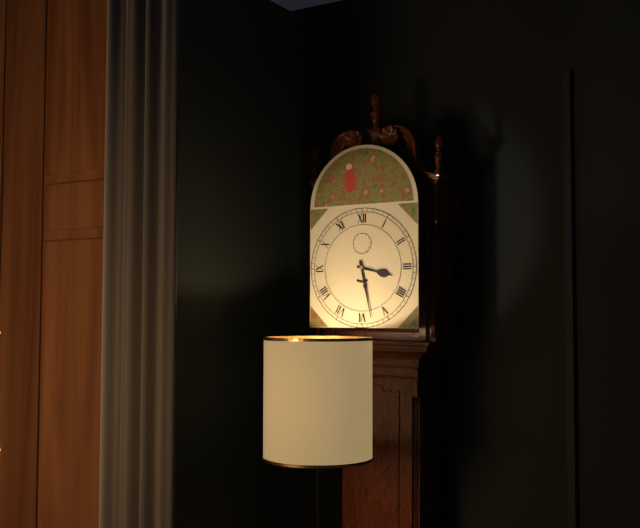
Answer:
3,28
